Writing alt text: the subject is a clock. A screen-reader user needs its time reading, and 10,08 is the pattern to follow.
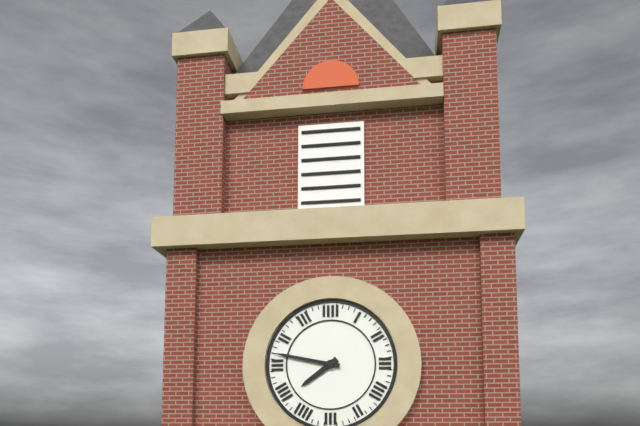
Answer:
7,47
